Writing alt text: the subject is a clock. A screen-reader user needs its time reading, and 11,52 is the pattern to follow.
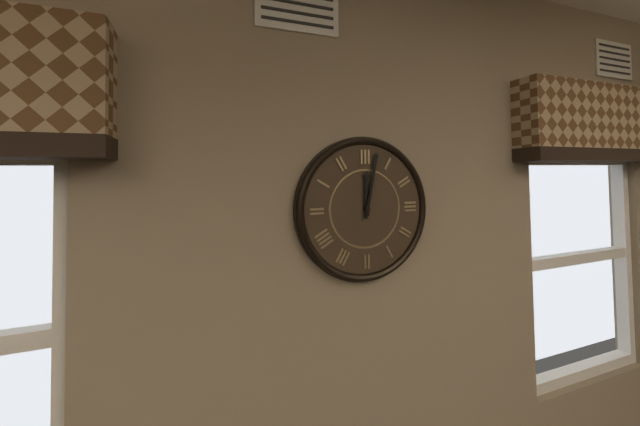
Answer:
12,02
